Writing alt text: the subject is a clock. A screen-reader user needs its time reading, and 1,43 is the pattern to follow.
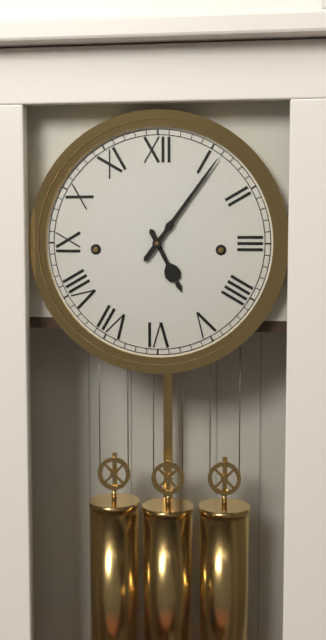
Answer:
5,06
